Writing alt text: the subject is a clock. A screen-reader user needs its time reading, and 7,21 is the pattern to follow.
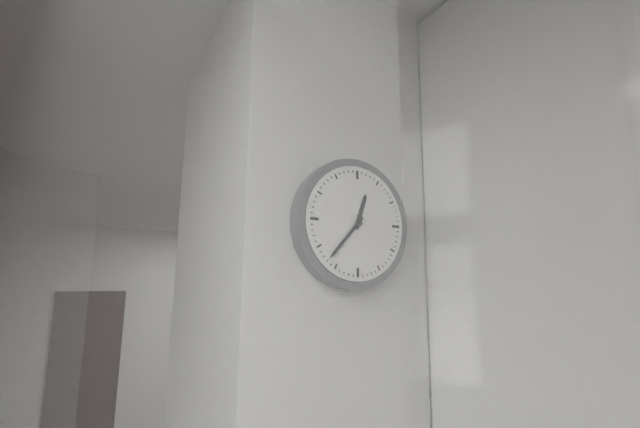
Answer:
12,37
